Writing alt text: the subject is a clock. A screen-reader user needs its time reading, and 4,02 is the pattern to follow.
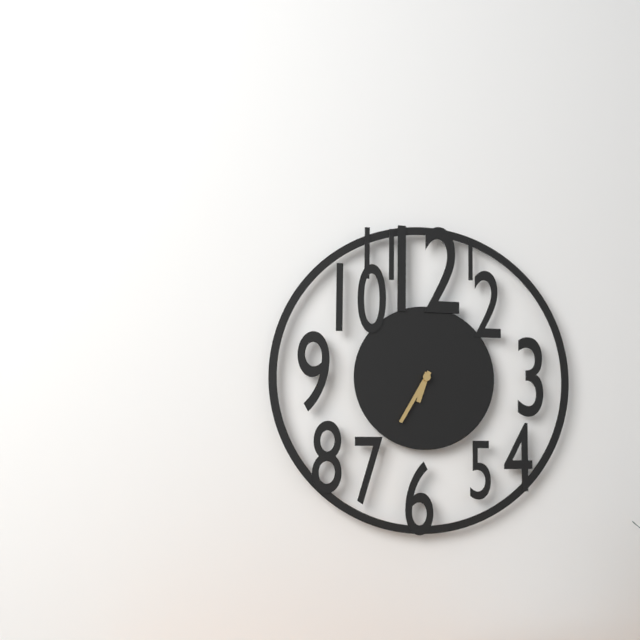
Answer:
6,35
